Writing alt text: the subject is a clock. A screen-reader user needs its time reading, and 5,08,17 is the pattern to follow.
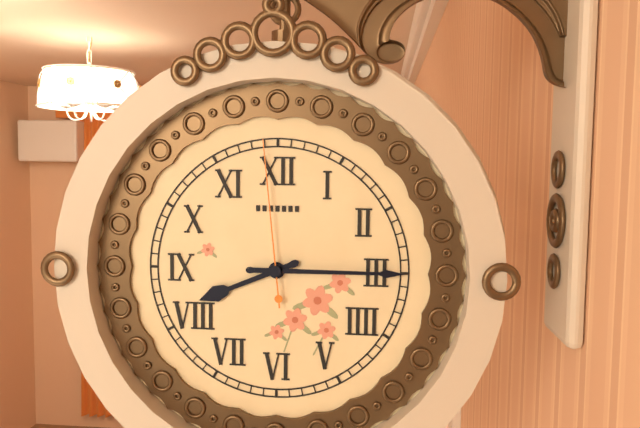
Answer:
8,15,59
